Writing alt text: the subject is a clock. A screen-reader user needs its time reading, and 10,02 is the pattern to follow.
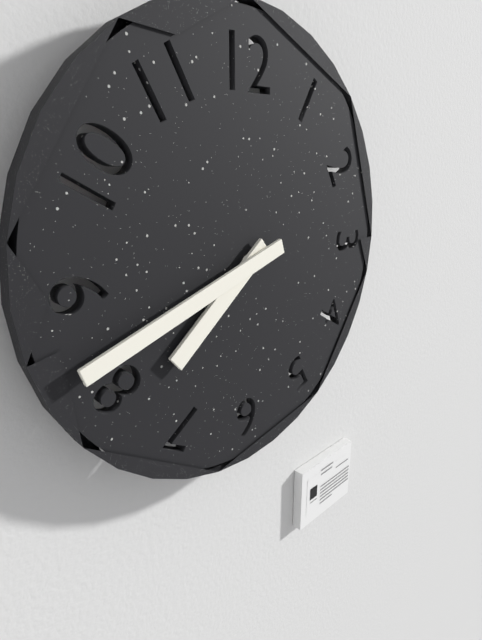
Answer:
7,42
